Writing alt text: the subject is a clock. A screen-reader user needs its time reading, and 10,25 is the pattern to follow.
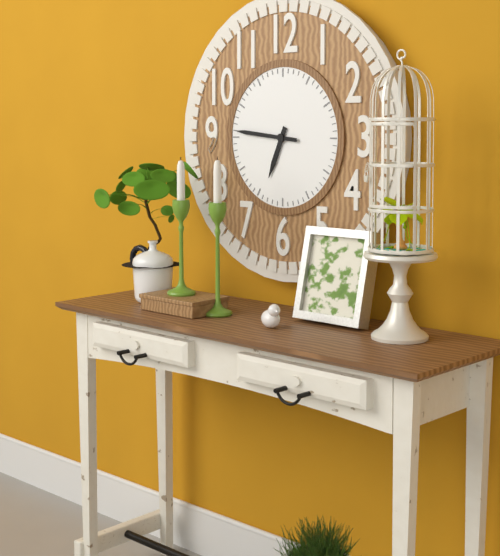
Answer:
6,46
